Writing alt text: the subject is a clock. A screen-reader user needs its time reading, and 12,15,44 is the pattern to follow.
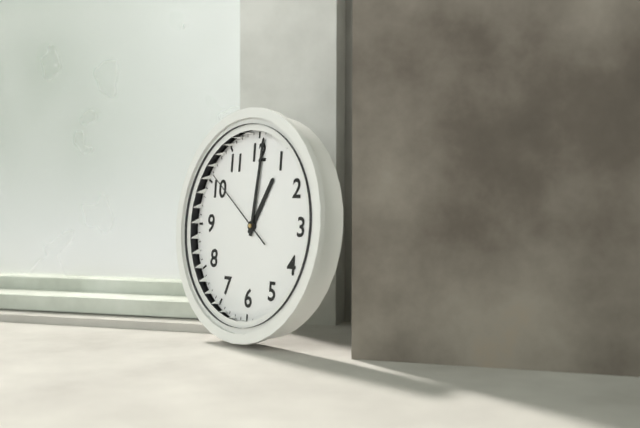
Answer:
1,01,51
